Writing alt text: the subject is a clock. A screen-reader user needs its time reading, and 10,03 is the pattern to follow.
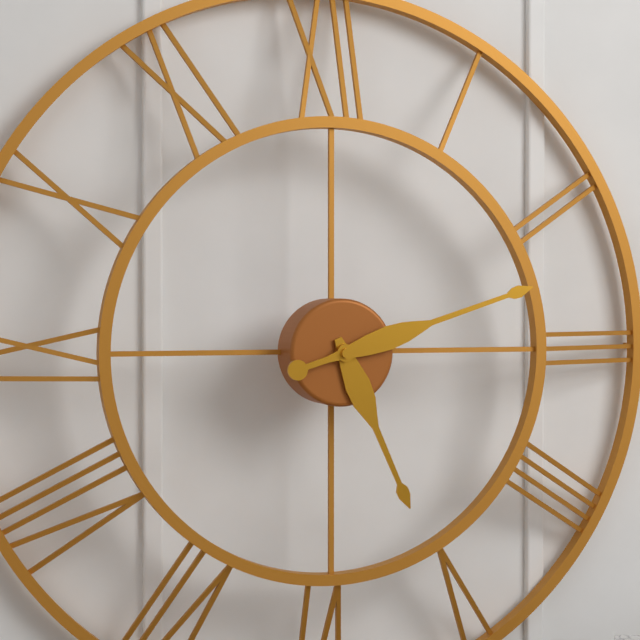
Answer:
5,12
